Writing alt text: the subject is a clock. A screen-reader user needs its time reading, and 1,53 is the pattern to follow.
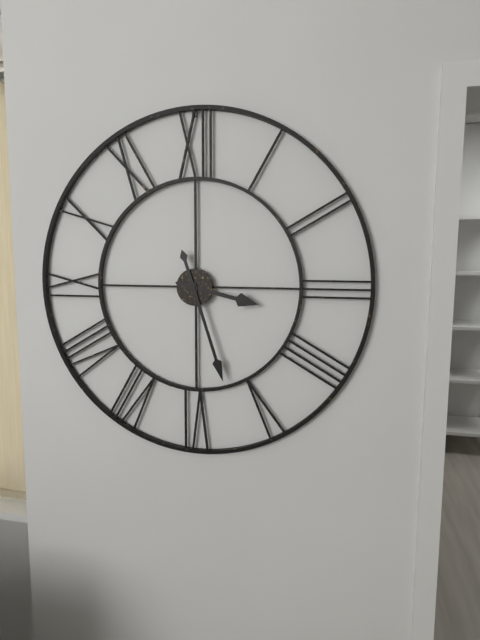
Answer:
3,27
